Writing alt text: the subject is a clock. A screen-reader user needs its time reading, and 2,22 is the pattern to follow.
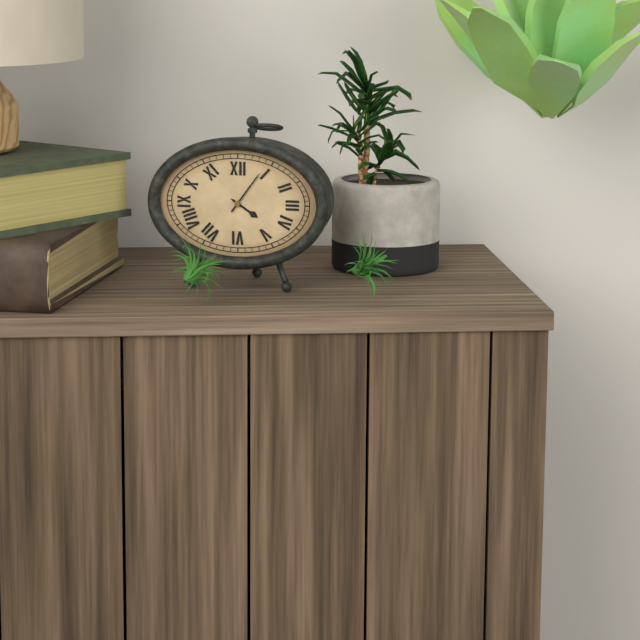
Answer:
4,06
